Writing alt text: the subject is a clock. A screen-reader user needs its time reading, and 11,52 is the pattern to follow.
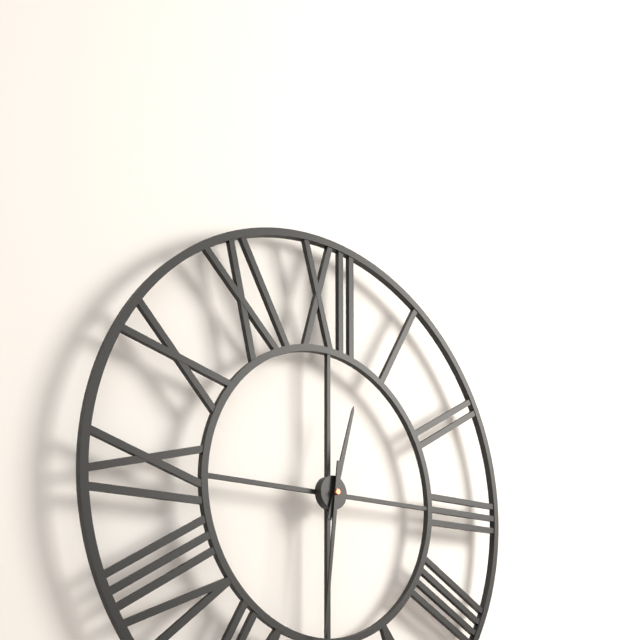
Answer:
12,31
